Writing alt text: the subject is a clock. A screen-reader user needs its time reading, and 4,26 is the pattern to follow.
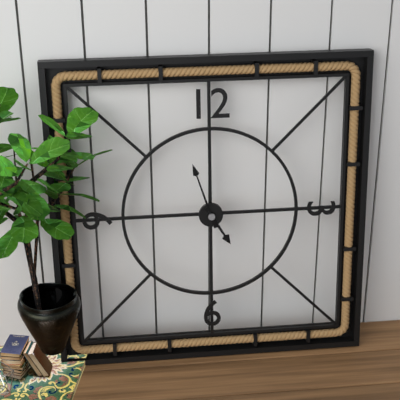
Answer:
4,57
